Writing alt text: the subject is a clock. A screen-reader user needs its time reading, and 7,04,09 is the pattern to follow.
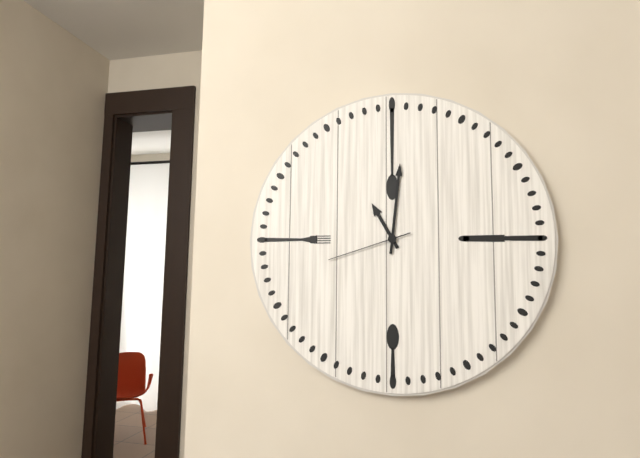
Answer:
11,01,42
